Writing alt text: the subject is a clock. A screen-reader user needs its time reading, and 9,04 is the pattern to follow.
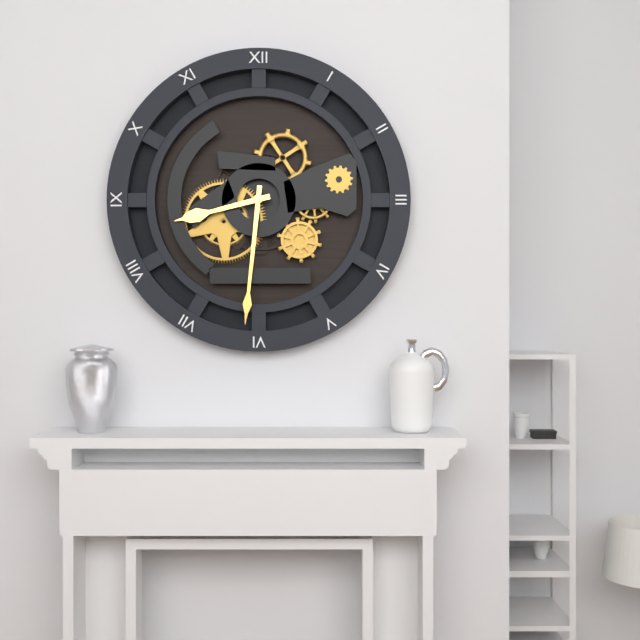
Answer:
8,31
